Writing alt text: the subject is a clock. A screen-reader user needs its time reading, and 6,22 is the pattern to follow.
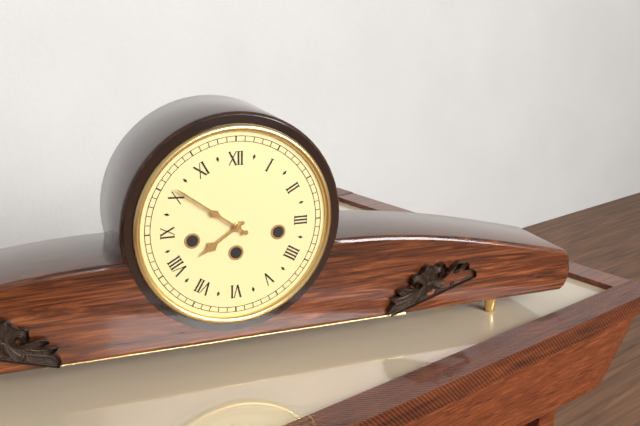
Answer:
7,51
